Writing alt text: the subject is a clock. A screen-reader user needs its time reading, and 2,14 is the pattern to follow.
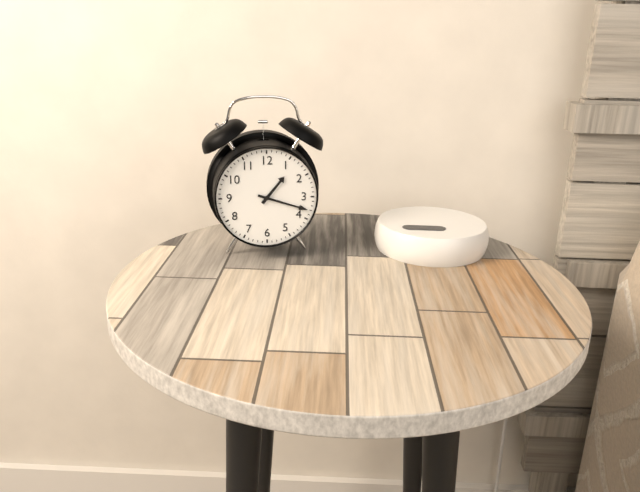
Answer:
1,18
